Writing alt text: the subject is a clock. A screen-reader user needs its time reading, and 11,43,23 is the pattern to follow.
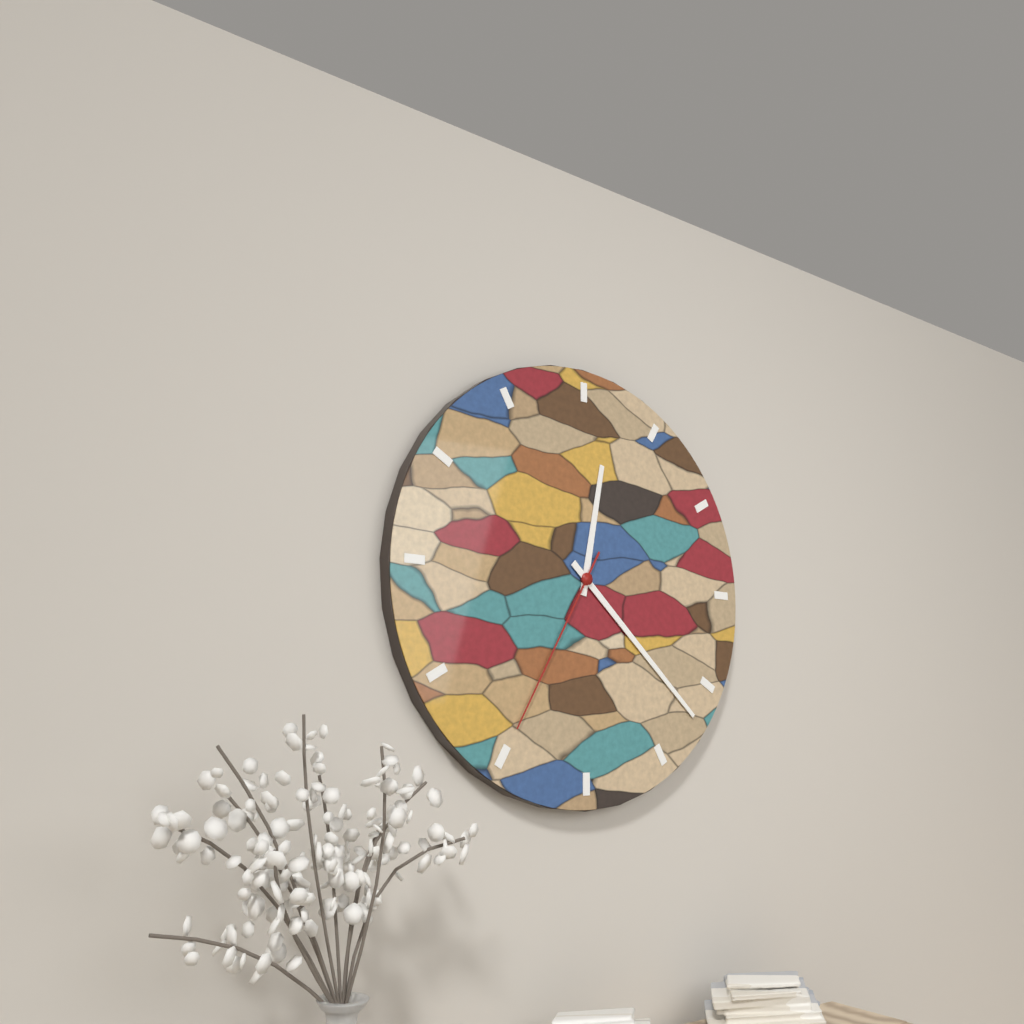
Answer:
12,22,35
